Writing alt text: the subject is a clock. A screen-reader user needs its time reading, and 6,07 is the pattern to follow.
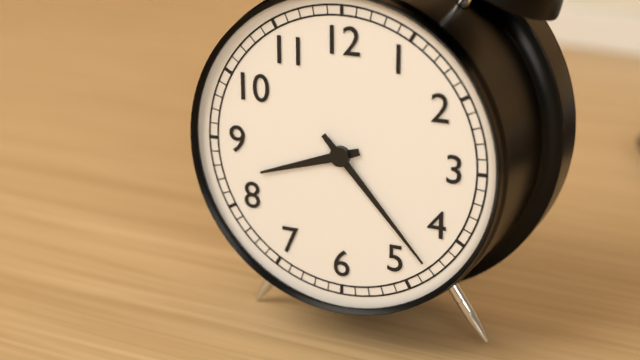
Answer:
8,23
